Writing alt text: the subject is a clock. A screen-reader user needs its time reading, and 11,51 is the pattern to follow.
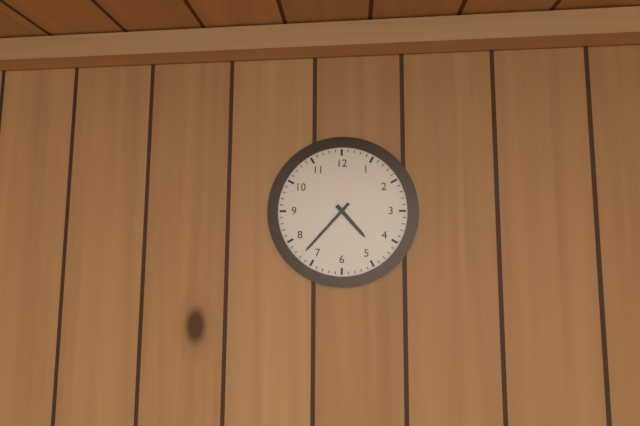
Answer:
4,37
